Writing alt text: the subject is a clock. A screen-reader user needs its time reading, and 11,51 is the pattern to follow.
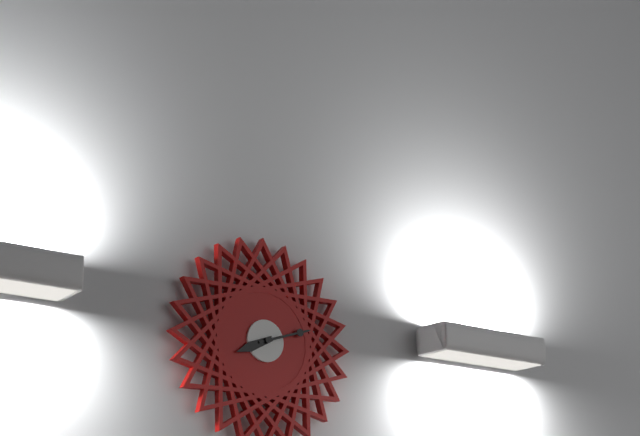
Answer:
8,12
